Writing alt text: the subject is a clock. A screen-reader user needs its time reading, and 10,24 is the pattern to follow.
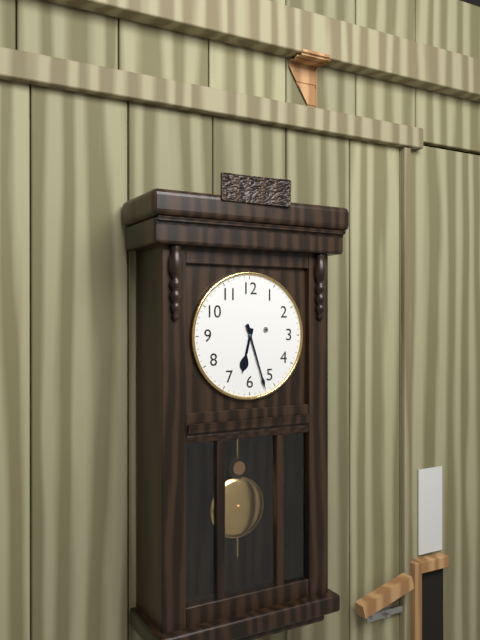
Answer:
6,27
